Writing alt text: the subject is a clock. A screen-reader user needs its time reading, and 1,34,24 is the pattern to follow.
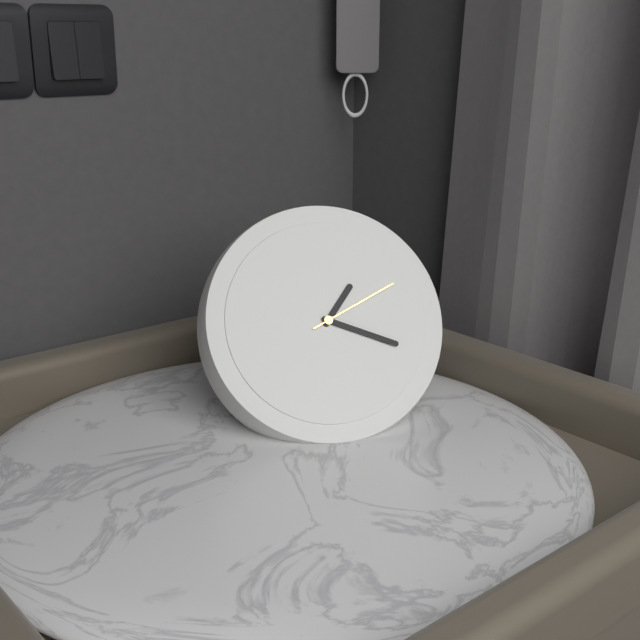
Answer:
1,19,11
